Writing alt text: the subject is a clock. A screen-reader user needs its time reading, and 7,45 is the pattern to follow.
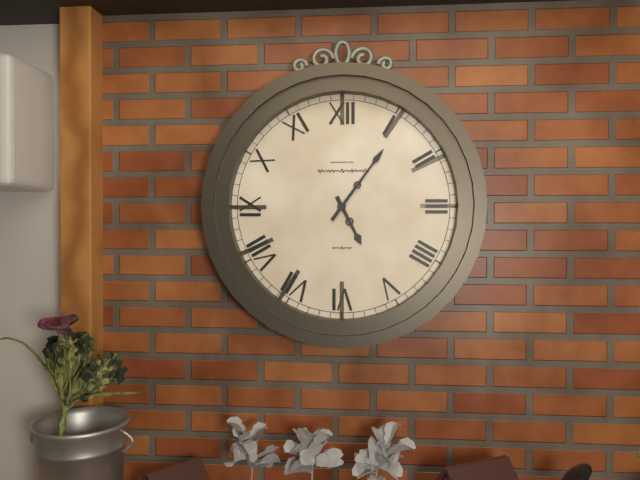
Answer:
5,06
